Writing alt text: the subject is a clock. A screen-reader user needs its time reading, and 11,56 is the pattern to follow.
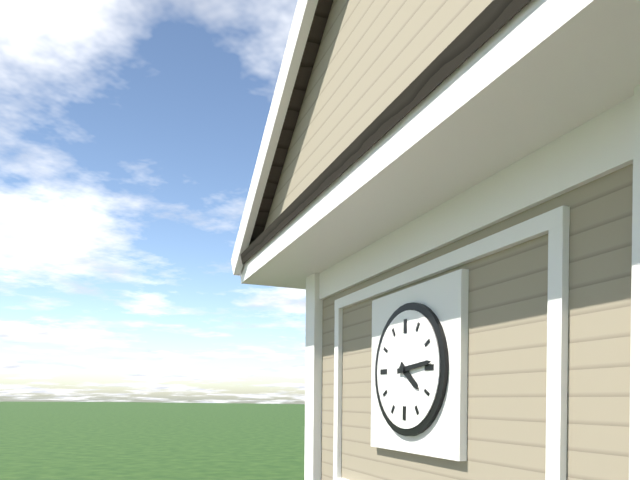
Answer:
4,14
